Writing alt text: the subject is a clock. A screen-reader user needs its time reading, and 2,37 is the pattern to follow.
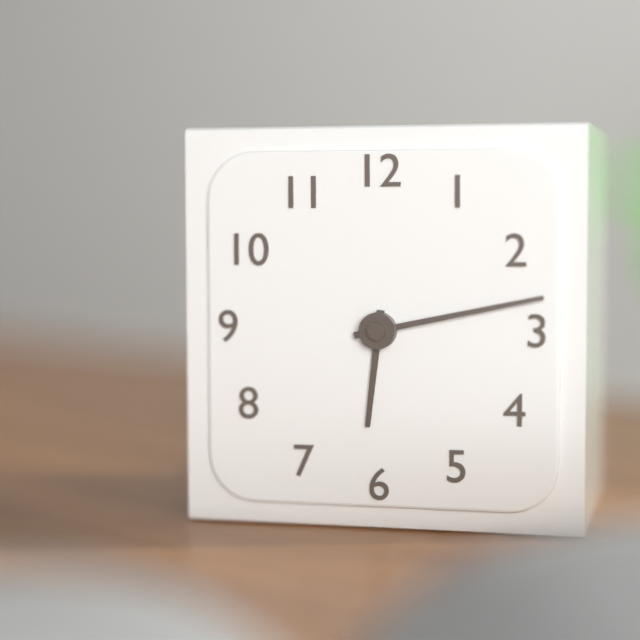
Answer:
6,13
